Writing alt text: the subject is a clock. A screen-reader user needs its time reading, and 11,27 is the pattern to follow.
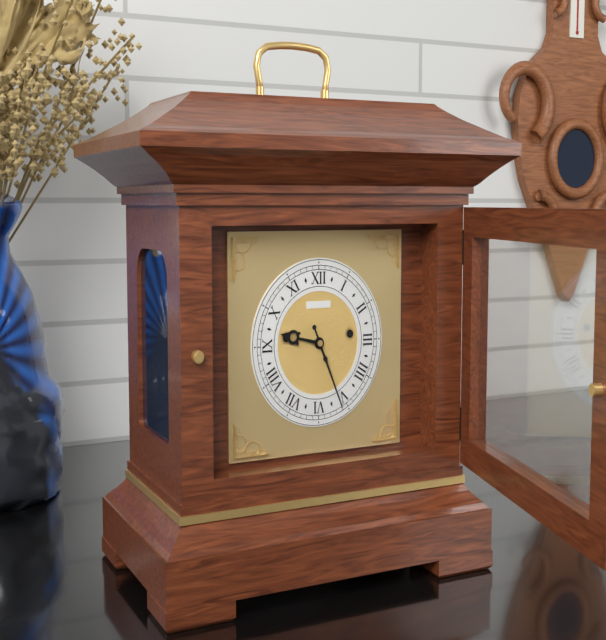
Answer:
9,26
